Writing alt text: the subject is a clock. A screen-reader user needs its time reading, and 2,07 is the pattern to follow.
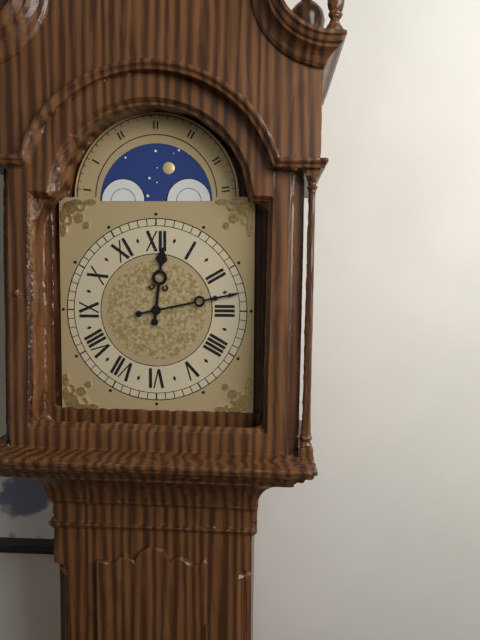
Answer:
12,13
